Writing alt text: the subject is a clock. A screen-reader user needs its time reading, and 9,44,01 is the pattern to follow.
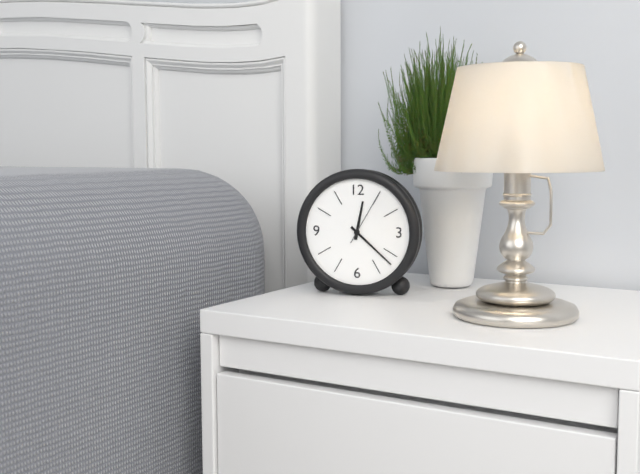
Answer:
12,22,05
